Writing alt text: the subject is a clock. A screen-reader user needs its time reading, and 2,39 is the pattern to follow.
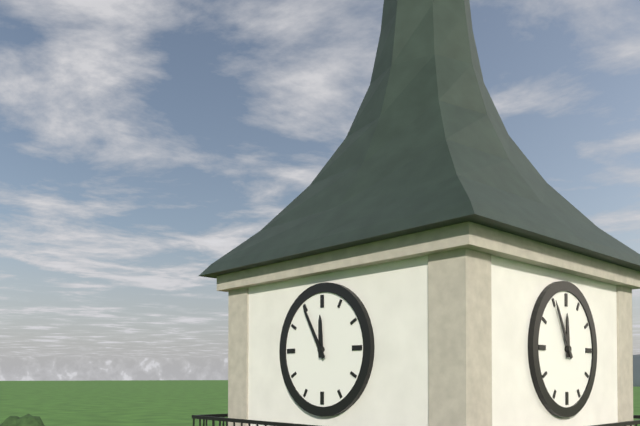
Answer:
11,55
